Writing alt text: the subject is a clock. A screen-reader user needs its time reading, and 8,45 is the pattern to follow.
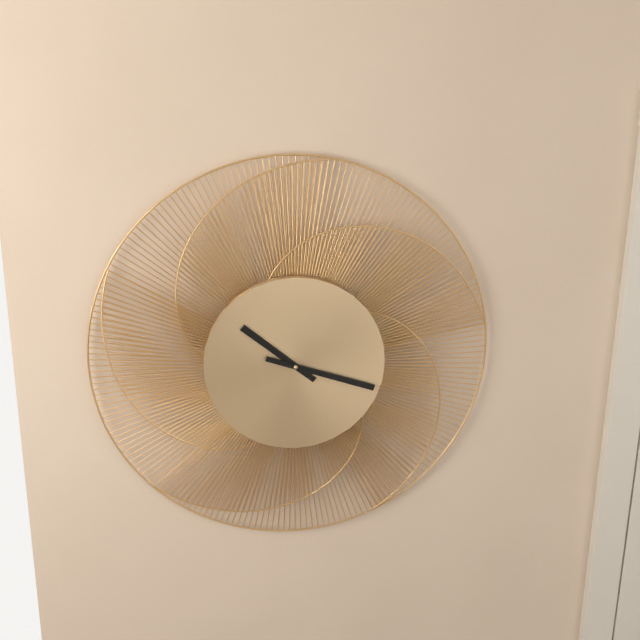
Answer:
10,18
